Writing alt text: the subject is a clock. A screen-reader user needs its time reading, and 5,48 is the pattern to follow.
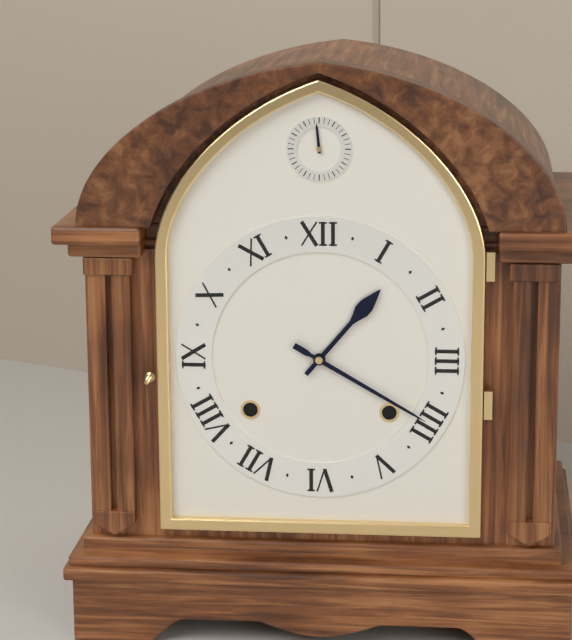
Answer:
1,20
